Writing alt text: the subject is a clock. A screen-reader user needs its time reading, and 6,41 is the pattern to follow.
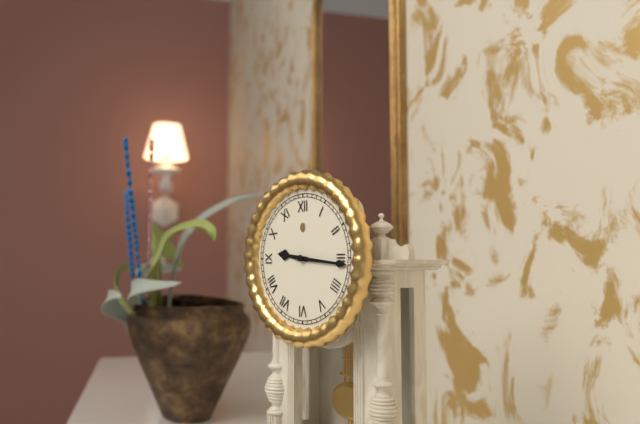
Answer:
9,16
